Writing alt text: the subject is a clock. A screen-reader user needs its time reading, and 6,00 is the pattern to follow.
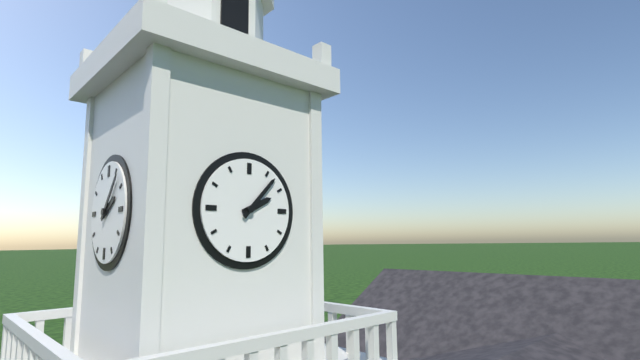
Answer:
2,07
